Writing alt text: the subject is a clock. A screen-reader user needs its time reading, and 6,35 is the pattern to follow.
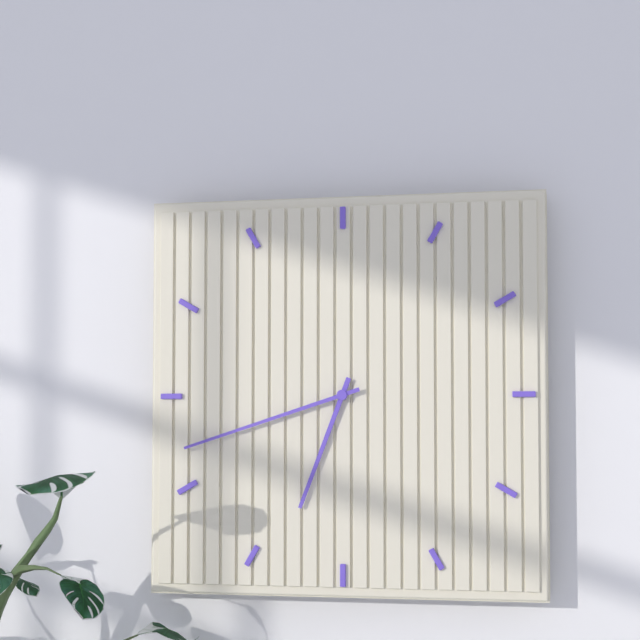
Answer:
6,42
